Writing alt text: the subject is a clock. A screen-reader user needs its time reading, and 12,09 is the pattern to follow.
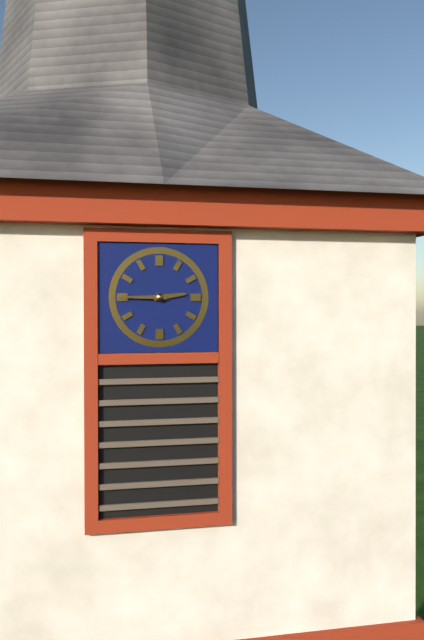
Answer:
2,45
